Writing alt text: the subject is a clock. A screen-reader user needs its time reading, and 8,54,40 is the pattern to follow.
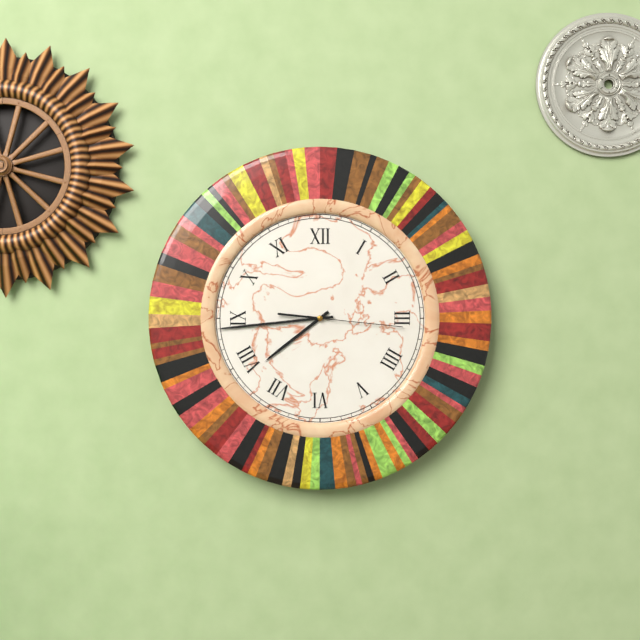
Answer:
7,44,16
